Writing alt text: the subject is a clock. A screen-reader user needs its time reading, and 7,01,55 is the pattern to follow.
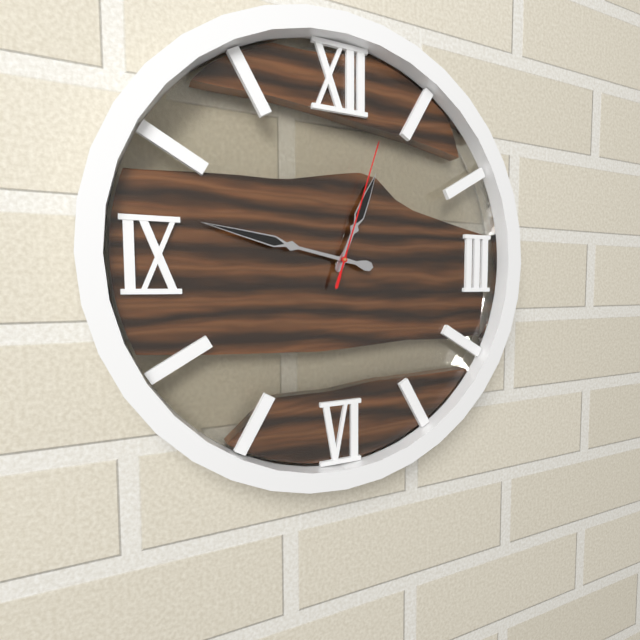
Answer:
12,47,03
